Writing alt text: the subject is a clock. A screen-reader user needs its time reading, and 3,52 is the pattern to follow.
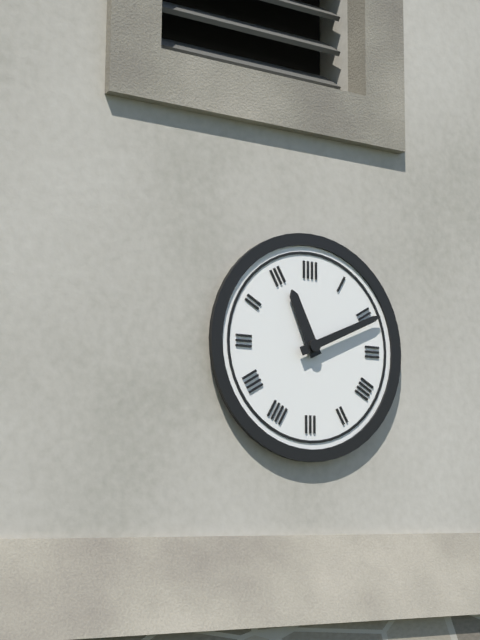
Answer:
11,11
